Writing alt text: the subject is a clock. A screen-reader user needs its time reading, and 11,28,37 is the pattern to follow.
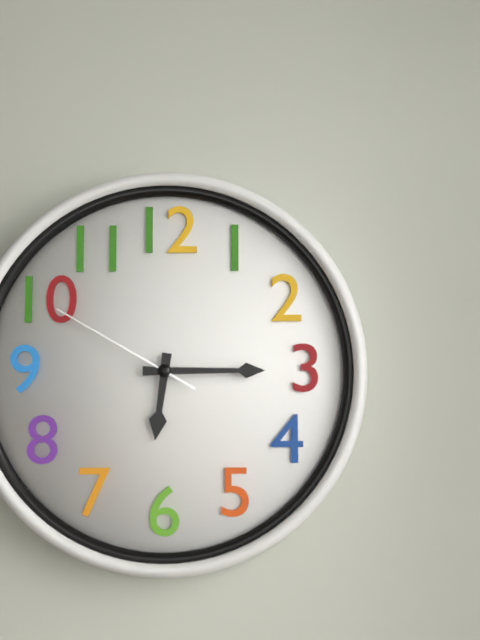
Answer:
6,15,50
